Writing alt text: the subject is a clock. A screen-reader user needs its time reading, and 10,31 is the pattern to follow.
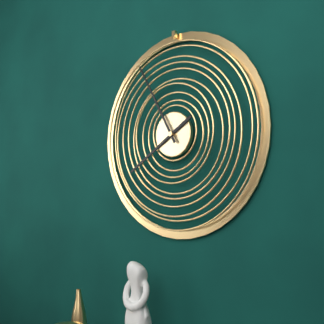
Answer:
7,55
